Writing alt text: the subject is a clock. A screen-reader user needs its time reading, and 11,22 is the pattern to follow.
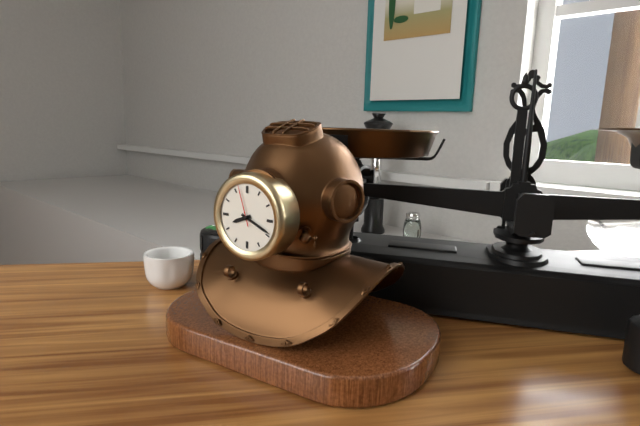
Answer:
8,19
